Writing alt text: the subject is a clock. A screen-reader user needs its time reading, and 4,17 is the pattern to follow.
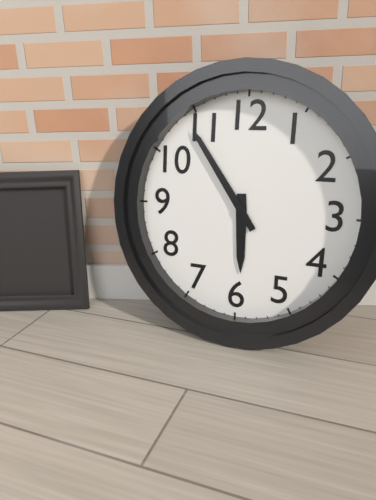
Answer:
5,54
